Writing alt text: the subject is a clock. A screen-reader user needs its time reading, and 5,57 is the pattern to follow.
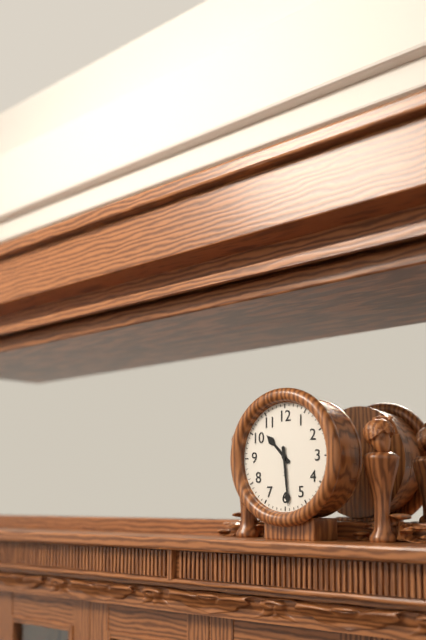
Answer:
10,29
